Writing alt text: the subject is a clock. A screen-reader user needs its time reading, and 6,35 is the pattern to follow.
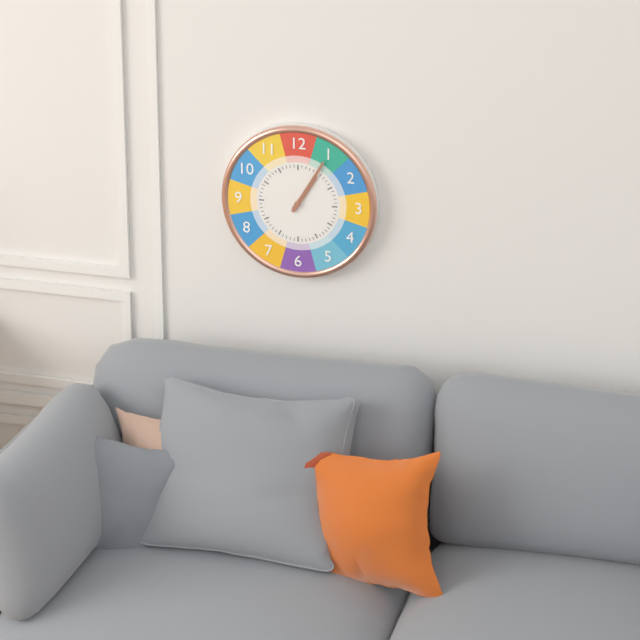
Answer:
1,05
